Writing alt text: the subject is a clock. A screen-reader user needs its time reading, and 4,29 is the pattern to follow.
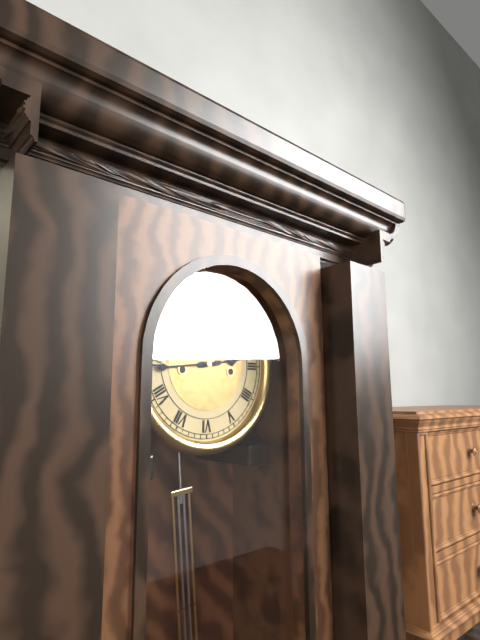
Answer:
2,44
